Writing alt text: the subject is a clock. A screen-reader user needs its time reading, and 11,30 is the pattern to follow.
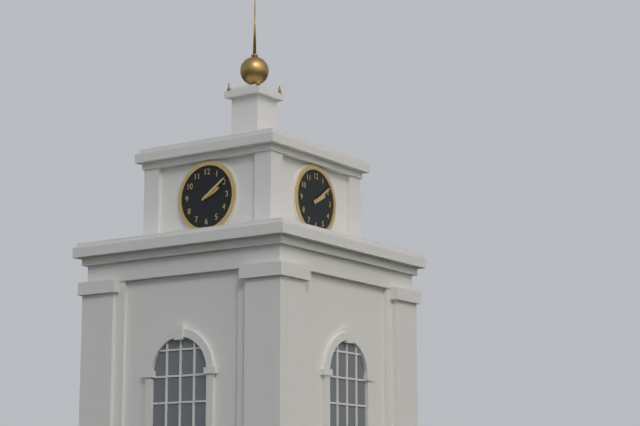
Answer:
2,09
